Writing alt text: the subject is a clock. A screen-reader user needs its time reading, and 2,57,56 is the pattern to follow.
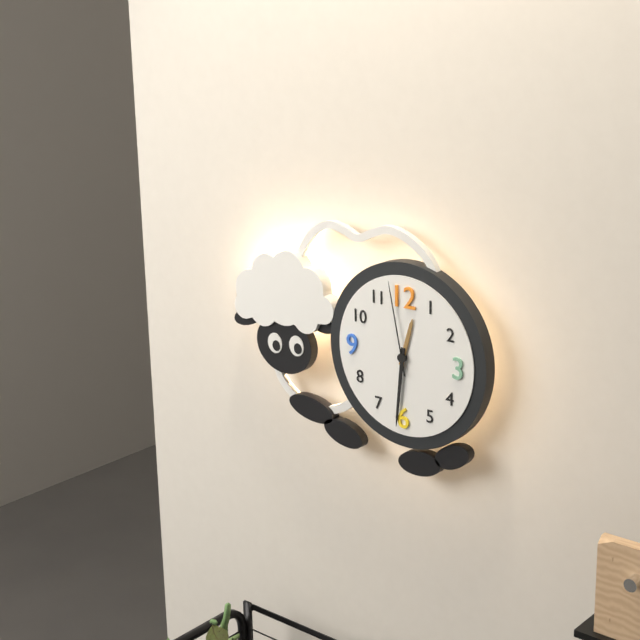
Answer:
12,31,58
